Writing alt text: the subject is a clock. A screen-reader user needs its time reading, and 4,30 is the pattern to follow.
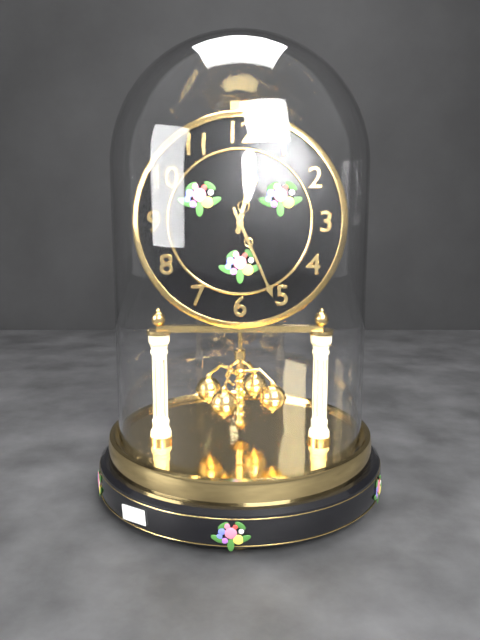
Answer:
12,26
